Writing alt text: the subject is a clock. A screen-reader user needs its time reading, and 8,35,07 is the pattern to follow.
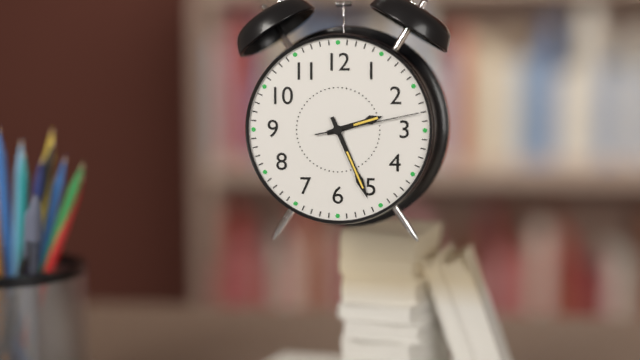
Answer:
2,26,13
